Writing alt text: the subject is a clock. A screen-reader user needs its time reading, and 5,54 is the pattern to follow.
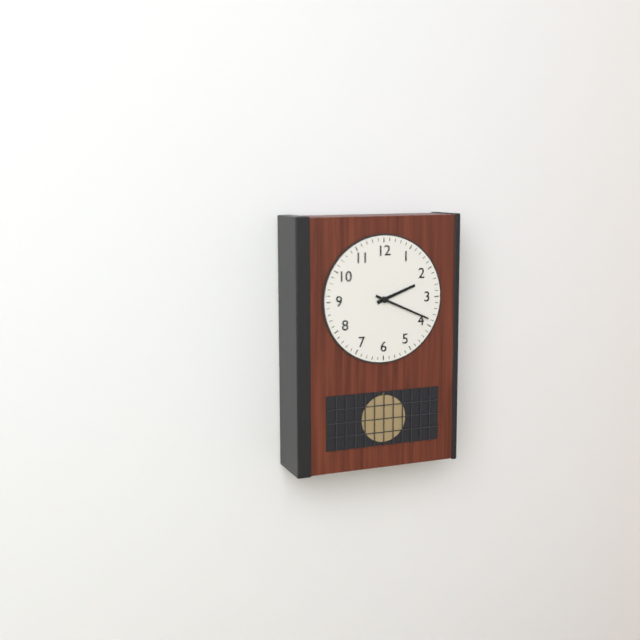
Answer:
2,19
